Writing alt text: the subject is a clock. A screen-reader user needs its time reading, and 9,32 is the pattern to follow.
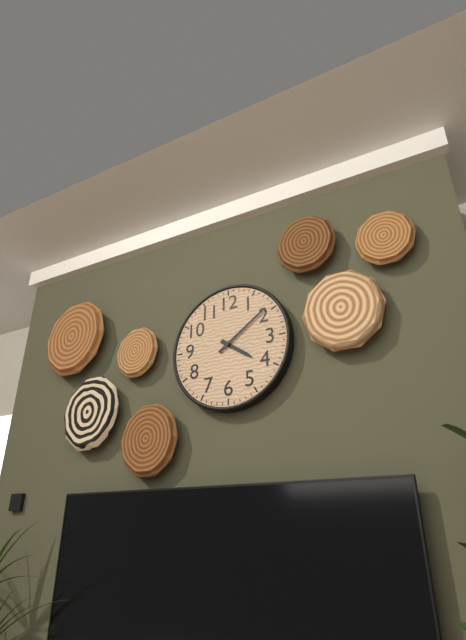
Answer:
4,09
